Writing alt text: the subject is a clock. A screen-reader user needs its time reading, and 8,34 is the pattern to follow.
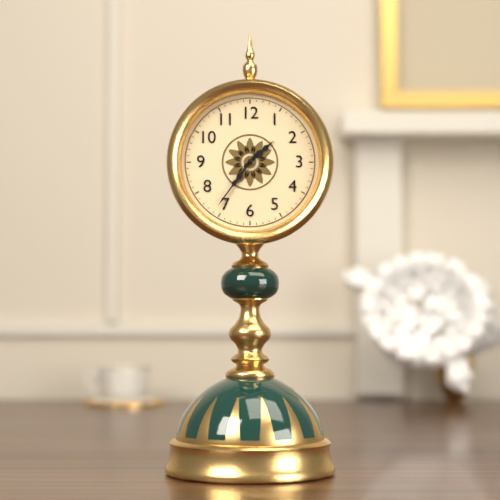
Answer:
1,36
